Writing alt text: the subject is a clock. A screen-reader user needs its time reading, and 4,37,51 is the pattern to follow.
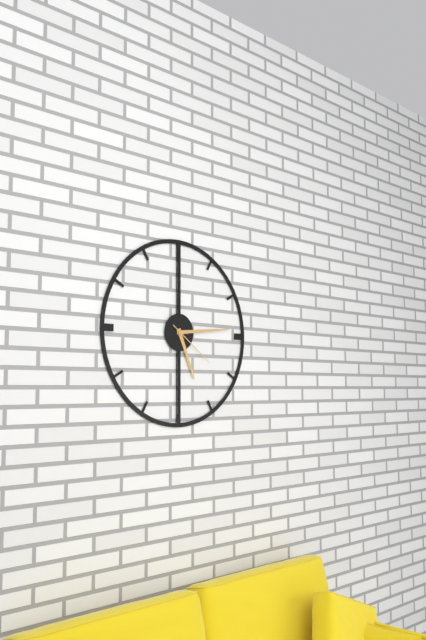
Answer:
5,14,21
